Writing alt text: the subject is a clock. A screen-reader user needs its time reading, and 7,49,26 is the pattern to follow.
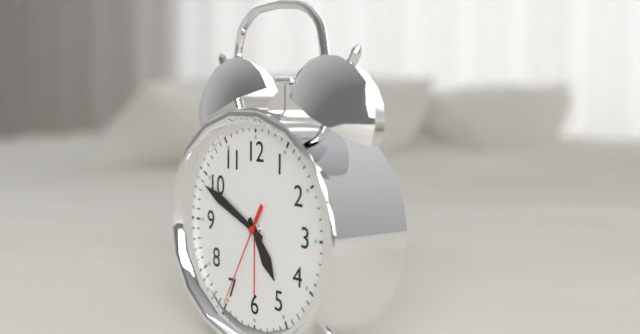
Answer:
4,49,35
